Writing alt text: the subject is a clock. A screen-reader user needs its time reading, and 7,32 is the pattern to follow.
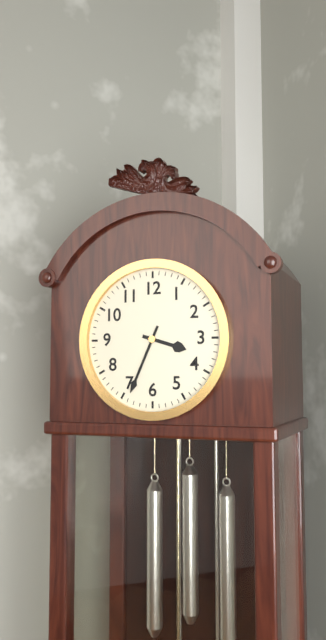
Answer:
3,34
